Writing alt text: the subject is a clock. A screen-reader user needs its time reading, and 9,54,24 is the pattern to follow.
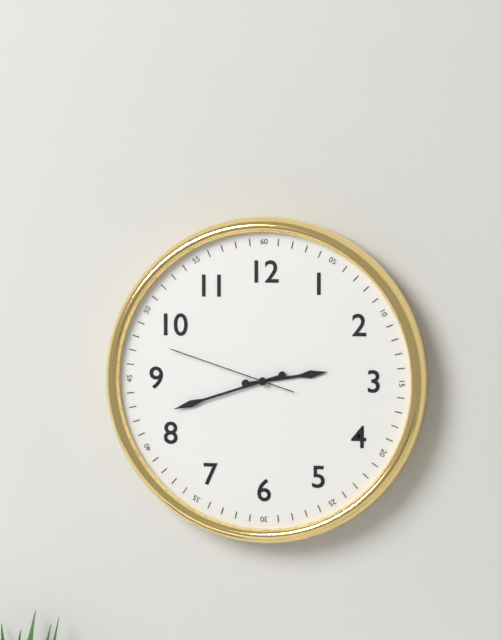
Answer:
2,42,48
